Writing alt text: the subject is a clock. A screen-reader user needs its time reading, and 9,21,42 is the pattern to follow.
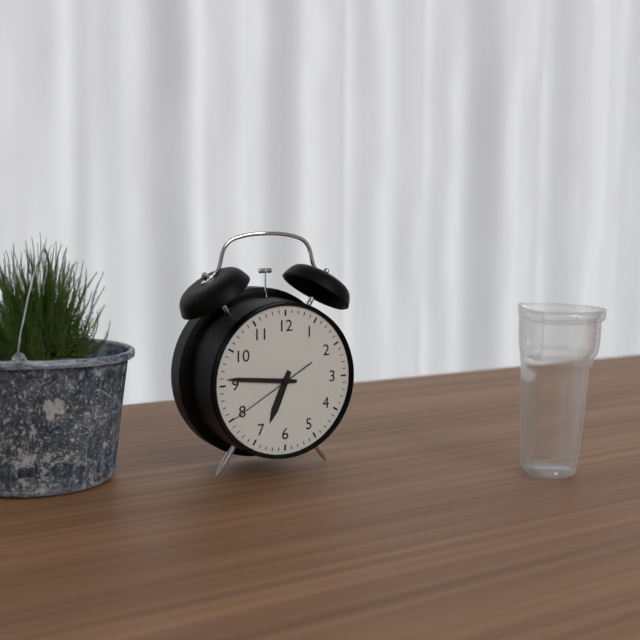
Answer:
6,46,40
